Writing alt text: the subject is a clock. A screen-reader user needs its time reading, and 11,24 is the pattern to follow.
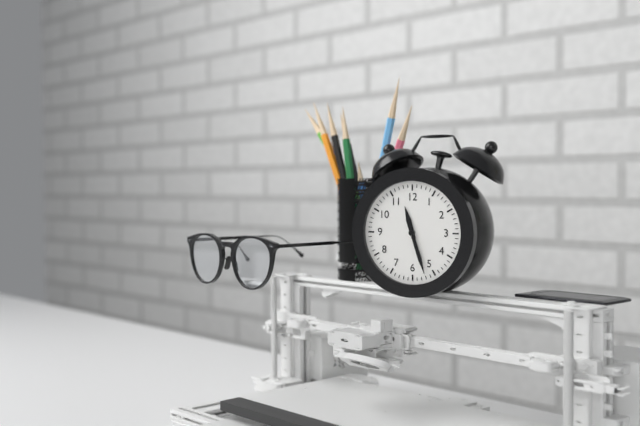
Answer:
11,27
